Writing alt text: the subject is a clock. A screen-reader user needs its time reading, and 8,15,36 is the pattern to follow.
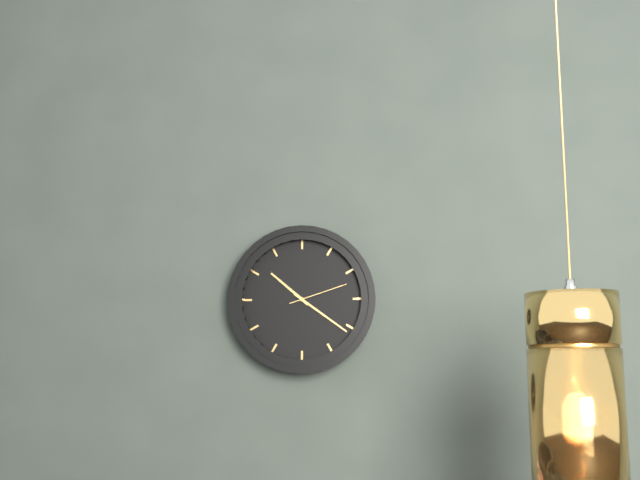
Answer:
10,21,12
